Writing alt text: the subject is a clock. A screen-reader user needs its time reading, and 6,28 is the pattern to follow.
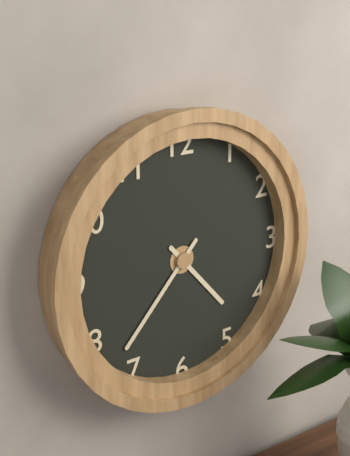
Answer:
4,37
